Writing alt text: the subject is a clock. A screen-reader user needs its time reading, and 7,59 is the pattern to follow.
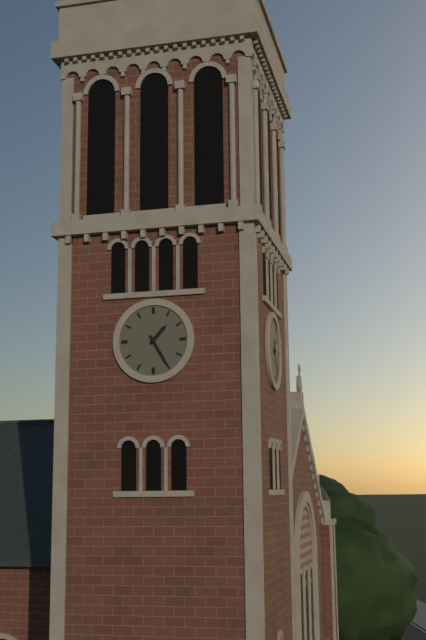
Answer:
1,25
